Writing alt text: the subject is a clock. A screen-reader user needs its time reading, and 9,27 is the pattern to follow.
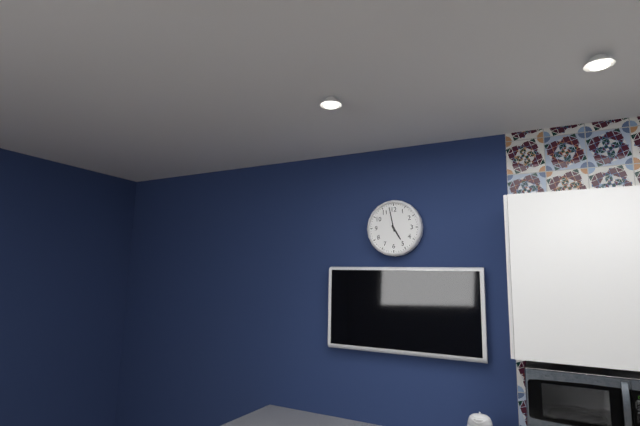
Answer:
4,58
